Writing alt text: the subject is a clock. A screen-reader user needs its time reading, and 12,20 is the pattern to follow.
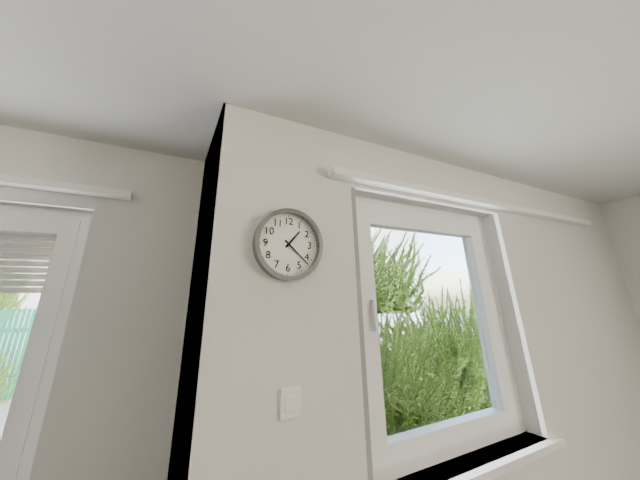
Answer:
1,22
